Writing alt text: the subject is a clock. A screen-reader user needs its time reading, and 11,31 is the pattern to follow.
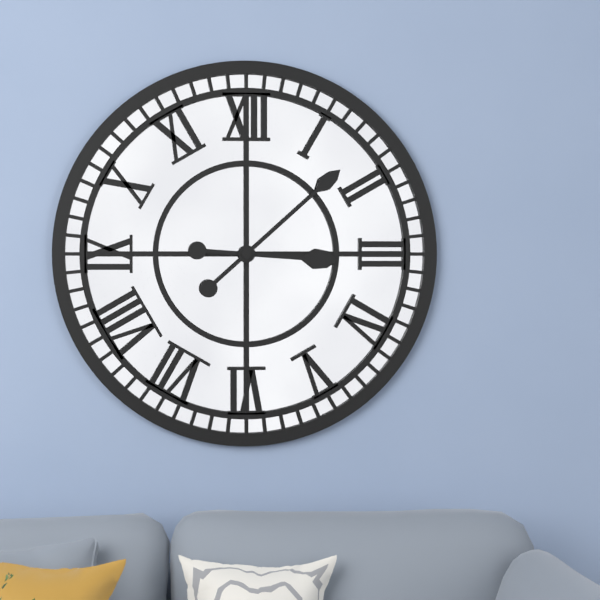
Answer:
3,08
